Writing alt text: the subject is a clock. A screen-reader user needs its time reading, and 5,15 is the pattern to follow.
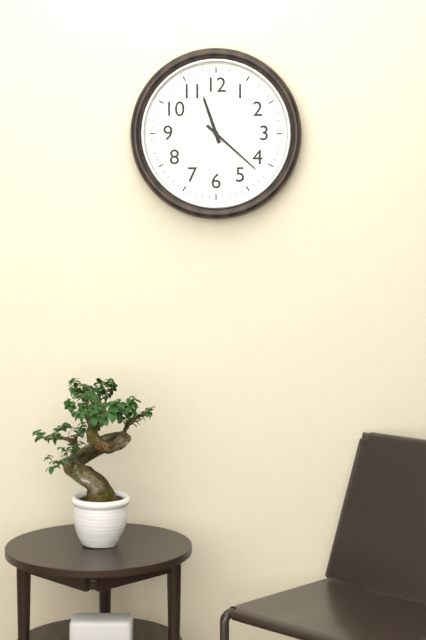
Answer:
11,22
